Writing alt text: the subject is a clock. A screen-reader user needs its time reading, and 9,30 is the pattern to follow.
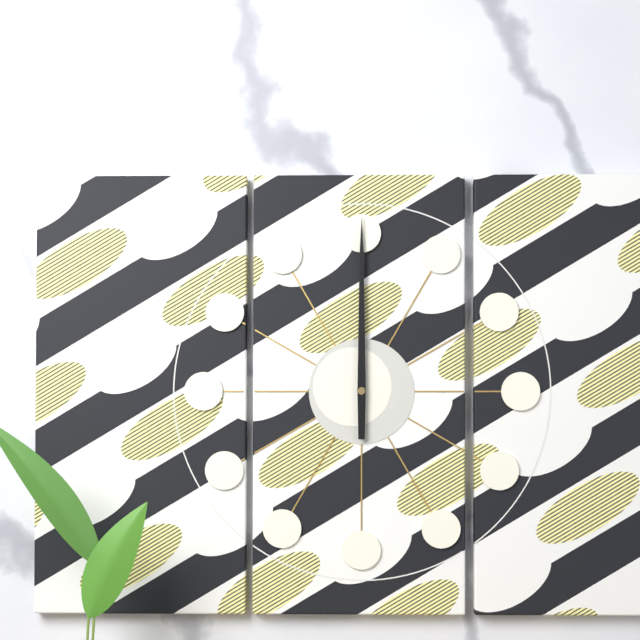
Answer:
12,00
